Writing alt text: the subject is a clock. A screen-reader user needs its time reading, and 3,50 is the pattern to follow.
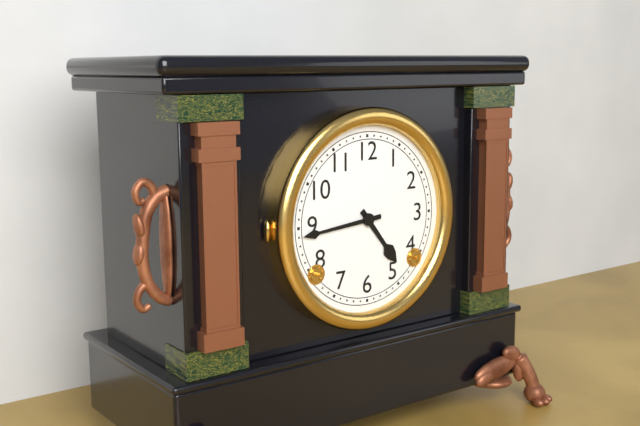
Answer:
4,44
